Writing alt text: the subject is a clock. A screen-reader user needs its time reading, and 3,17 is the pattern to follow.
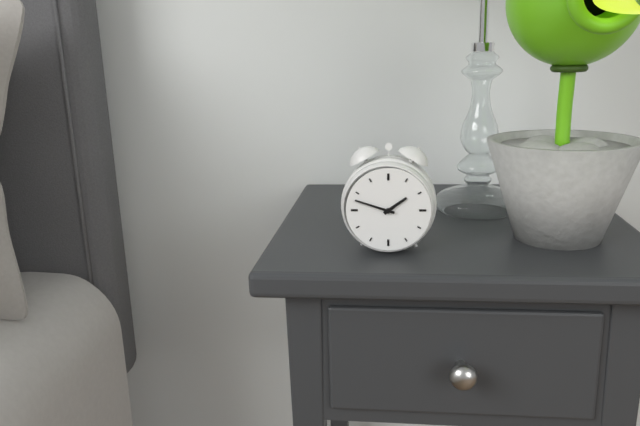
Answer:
1,48
